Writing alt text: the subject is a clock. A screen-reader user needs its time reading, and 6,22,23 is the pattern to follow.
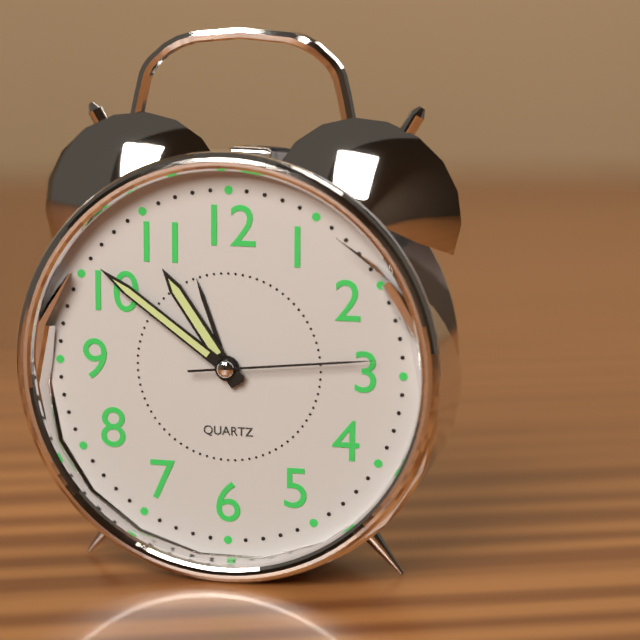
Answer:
10,51,14
